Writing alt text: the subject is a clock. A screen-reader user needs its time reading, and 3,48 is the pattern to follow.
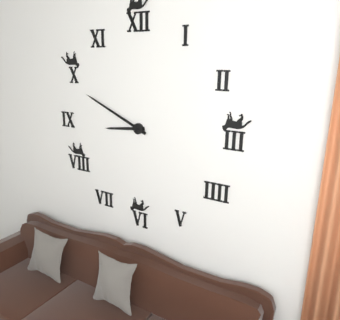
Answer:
8,49
